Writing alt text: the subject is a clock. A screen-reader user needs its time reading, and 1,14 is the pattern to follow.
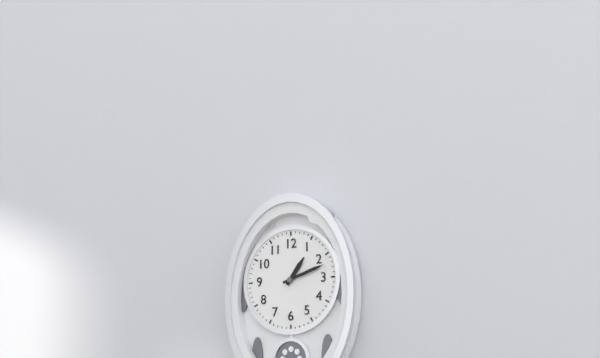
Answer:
1,12
